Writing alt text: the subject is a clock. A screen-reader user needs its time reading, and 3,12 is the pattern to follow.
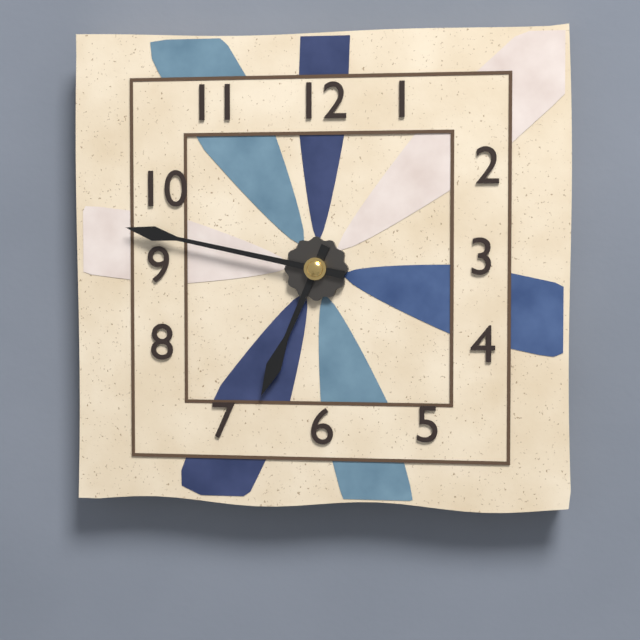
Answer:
6,47
